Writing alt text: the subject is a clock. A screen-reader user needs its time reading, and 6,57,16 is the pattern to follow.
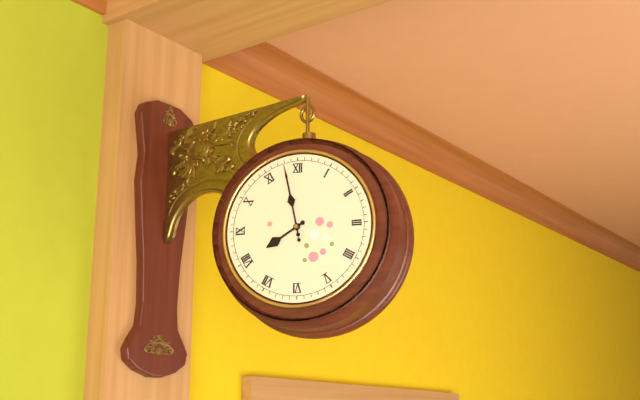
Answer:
7,58,58
